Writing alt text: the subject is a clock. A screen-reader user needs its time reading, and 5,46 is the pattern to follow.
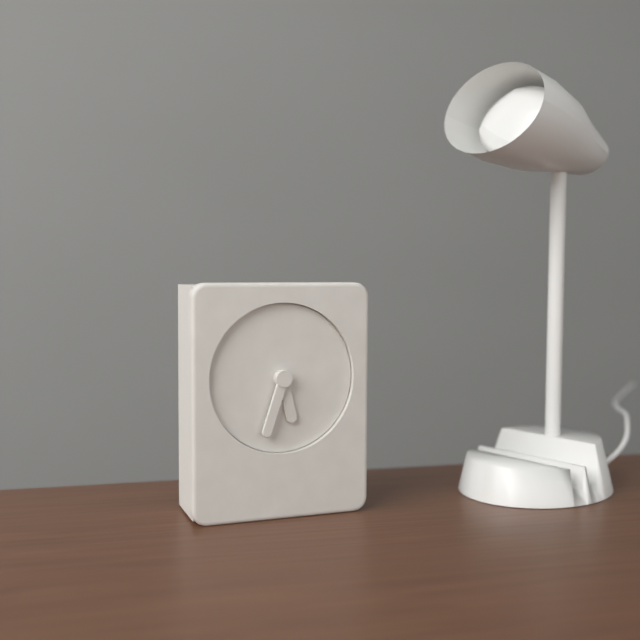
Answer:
5,33
